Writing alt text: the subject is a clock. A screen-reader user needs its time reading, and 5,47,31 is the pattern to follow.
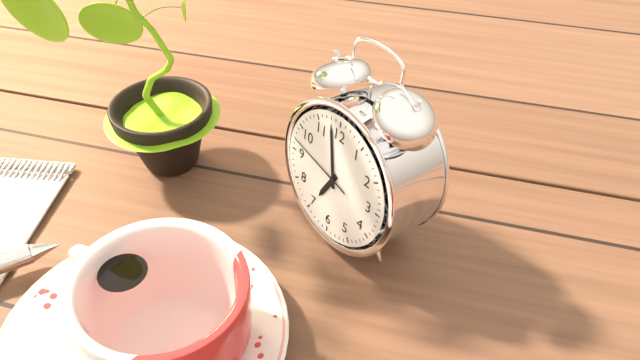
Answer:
6,58,47
